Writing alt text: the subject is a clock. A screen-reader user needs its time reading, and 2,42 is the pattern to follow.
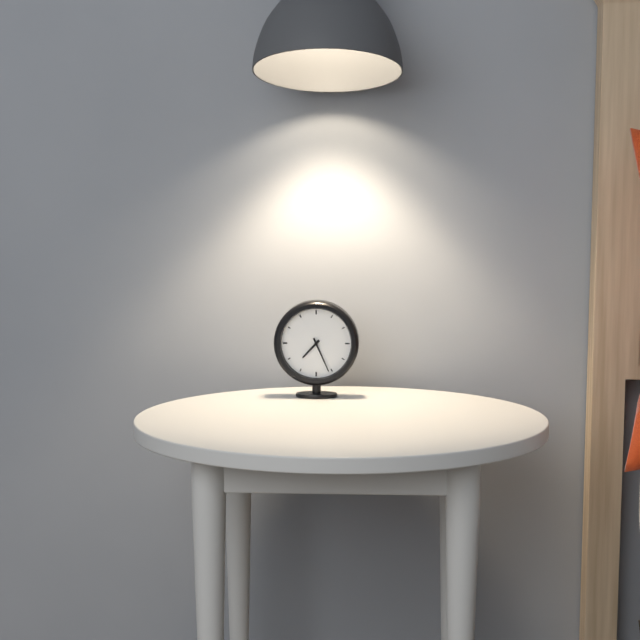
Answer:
7,26
